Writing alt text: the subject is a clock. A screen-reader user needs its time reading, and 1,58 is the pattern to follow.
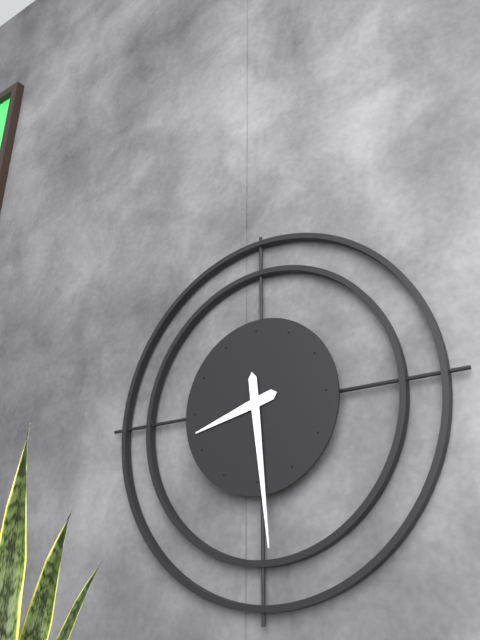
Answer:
8,29
